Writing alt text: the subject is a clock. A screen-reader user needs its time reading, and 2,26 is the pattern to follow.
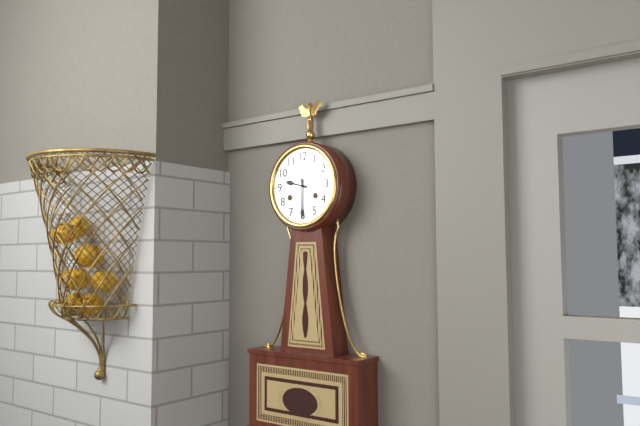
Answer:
9,30
